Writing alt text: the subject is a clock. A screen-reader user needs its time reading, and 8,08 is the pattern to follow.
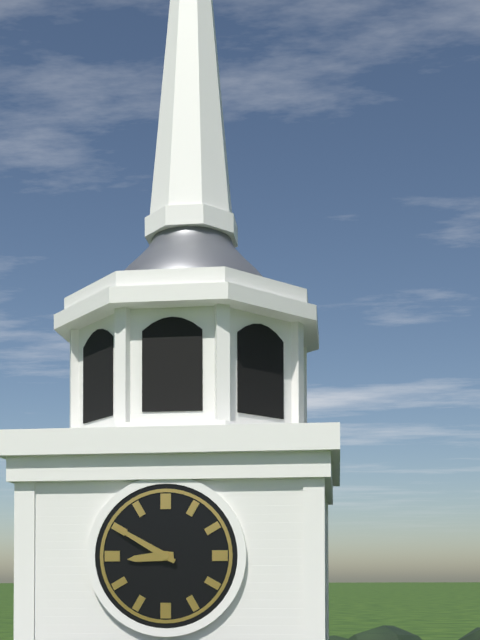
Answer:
8,50
